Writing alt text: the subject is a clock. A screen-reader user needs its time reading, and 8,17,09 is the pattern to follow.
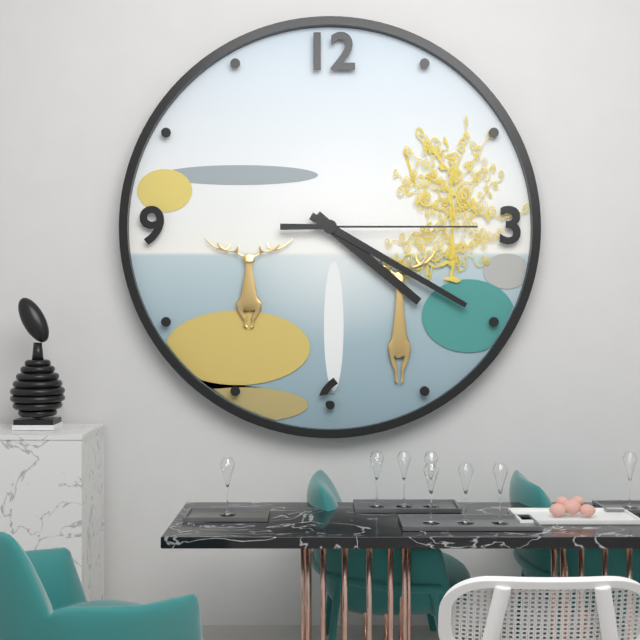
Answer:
4,20,15
